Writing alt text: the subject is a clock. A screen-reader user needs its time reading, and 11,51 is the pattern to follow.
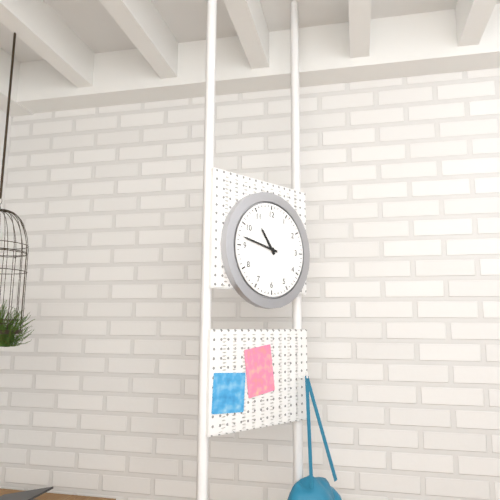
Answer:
10,47
